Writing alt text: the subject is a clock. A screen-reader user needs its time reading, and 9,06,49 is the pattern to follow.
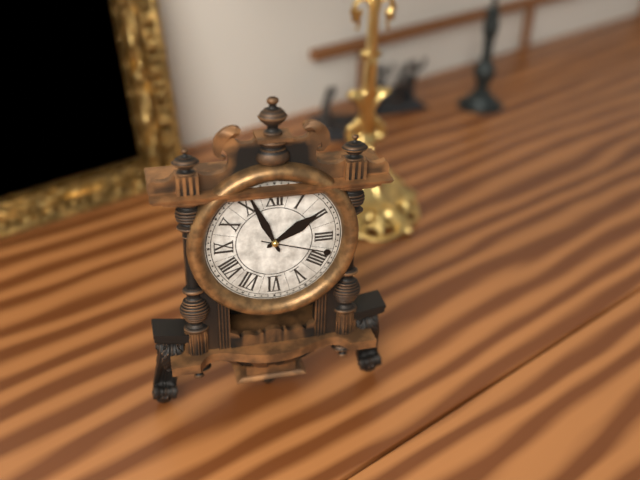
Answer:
1,56,18
